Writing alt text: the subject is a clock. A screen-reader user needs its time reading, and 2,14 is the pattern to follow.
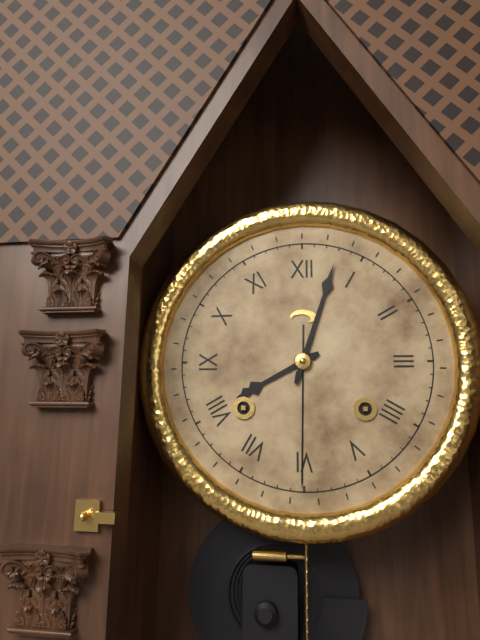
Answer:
8,03
